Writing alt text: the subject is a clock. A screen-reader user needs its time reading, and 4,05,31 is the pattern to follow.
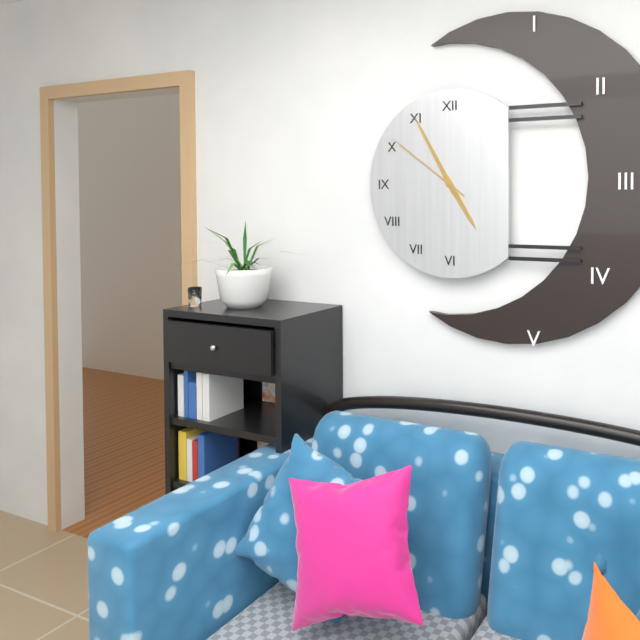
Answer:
4,55,51
